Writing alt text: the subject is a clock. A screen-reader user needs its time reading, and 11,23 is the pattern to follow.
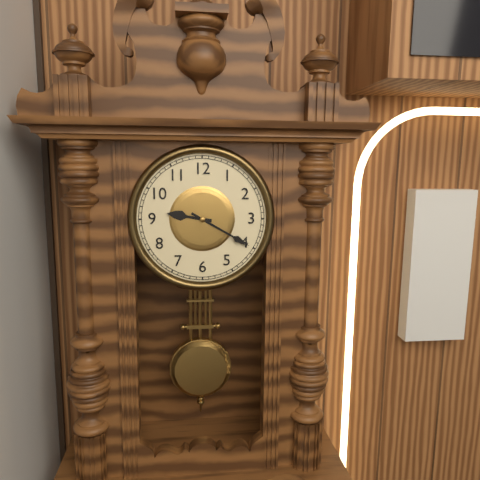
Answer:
9,20
